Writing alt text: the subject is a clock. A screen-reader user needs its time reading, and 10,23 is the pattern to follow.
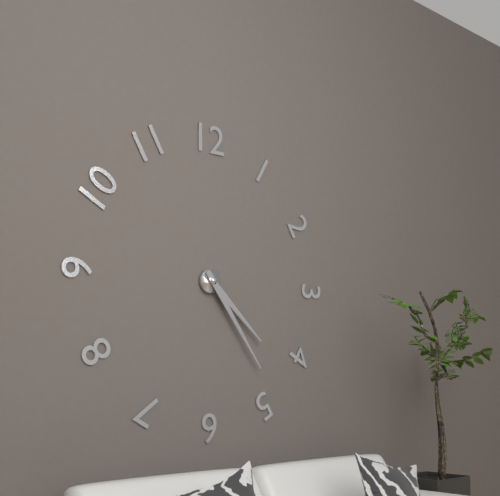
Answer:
4,24
